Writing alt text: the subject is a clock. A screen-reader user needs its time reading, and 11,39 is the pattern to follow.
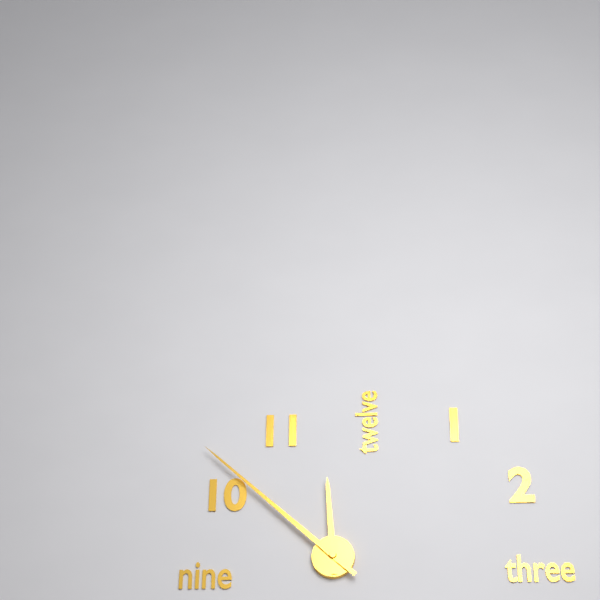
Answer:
11,52
